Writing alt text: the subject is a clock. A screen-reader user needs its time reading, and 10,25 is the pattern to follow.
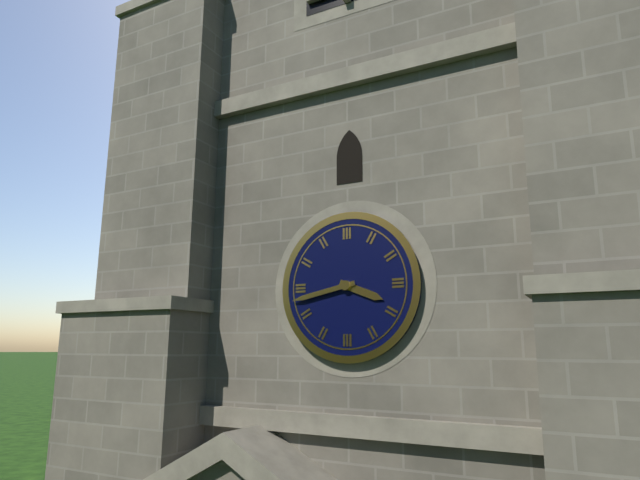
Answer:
3,43
